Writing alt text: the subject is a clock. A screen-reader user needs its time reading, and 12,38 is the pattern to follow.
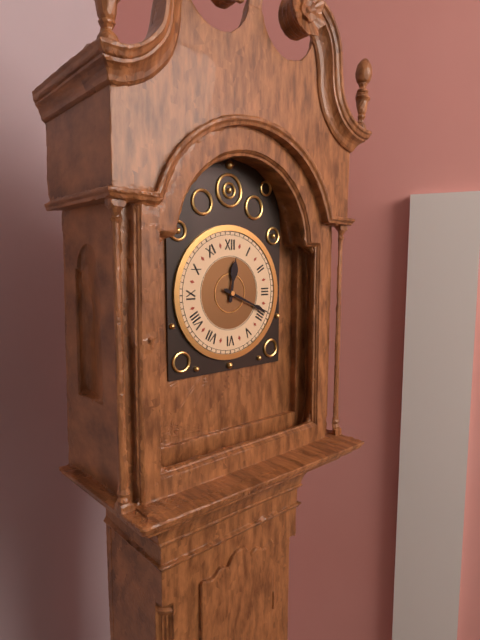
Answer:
12,19
